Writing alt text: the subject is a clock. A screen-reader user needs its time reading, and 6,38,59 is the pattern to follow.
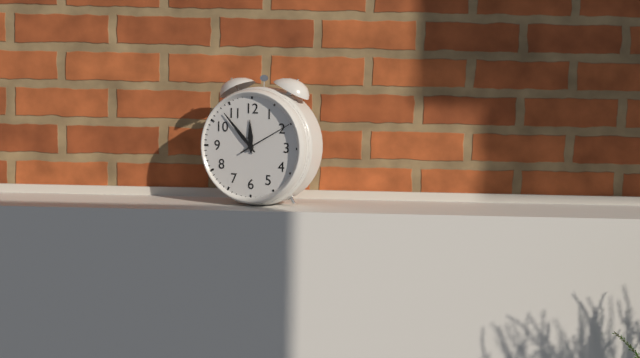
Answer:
11,53,10
